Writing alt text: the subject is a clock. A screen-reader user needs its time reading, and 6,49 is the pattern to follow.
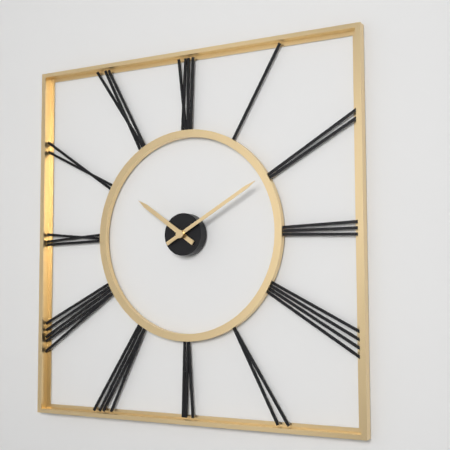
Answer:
10,10
